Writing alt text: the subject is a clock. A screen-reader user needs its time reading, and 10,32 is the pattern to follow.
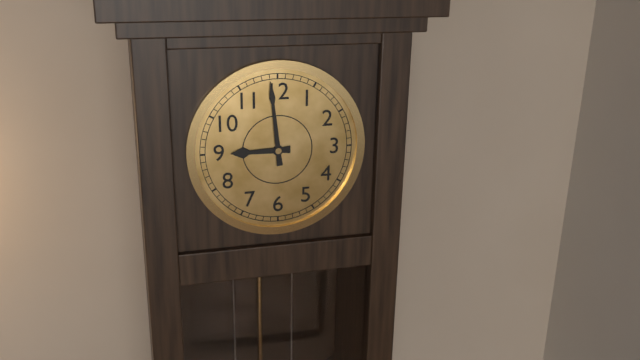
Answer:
8,59
